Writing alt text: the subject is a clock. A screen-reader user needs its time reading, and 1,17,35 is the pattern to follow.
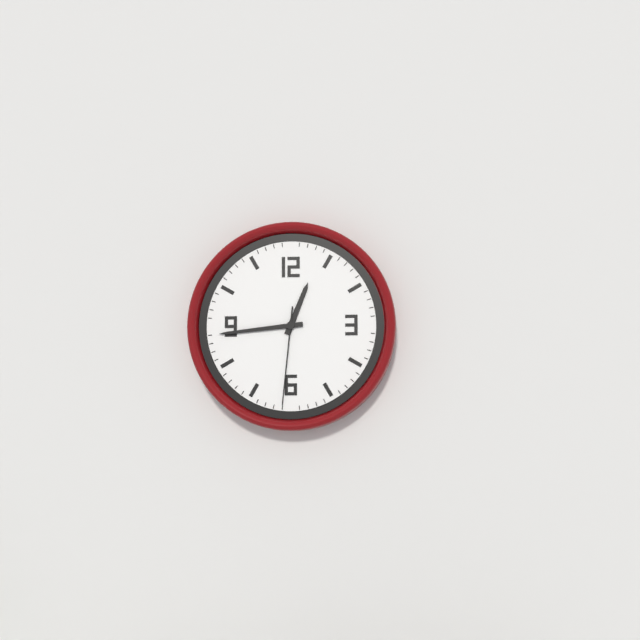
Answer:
12,44,31
